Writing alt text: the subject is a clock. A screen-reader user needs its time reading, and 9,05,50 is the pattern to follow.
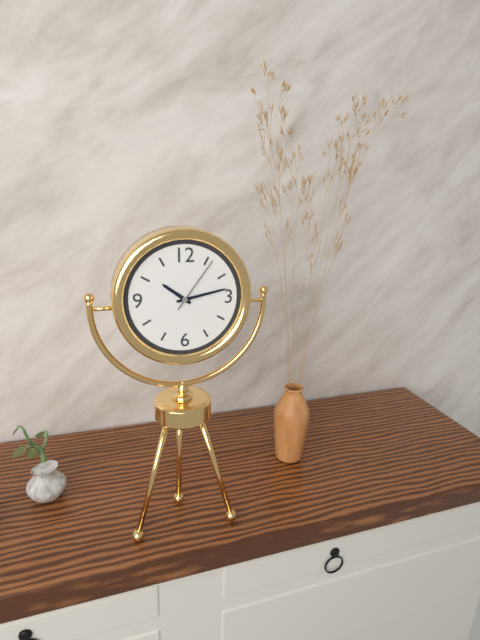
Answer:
10,13,06
